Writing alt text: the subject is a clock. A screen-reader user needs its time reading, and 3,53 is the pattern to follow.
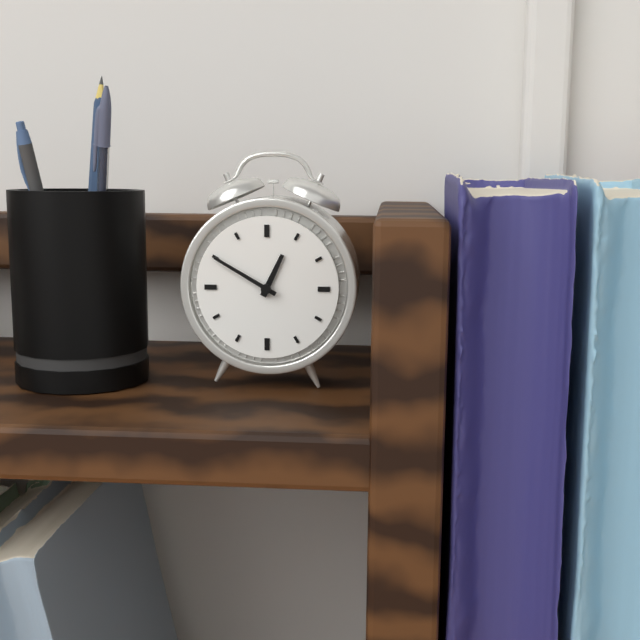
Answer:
12,50
